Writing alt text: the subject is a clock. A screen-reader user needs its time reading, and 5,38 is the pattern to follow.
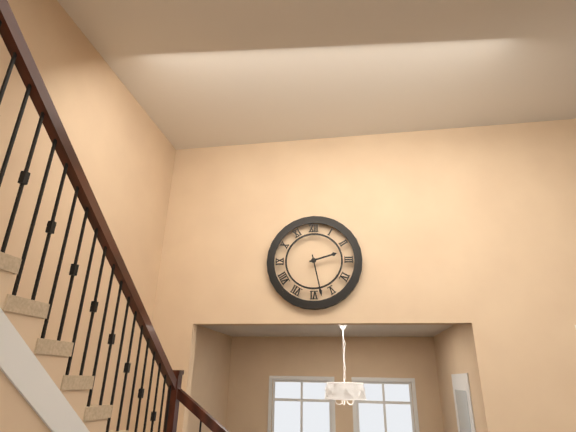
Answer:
2,28
